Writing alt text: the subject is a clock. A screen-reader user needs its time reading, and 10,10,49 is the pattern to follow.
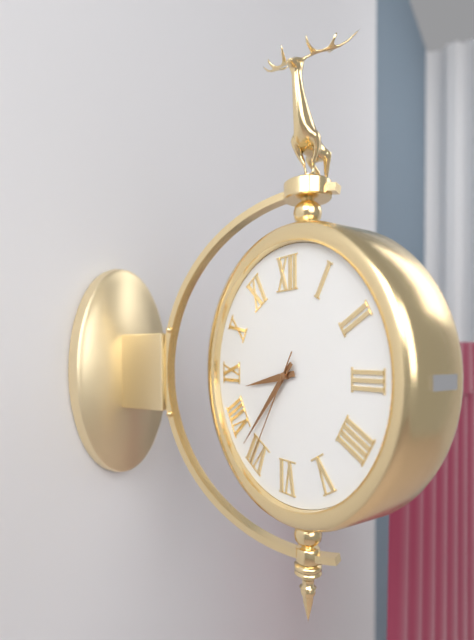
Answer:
8,37,35
